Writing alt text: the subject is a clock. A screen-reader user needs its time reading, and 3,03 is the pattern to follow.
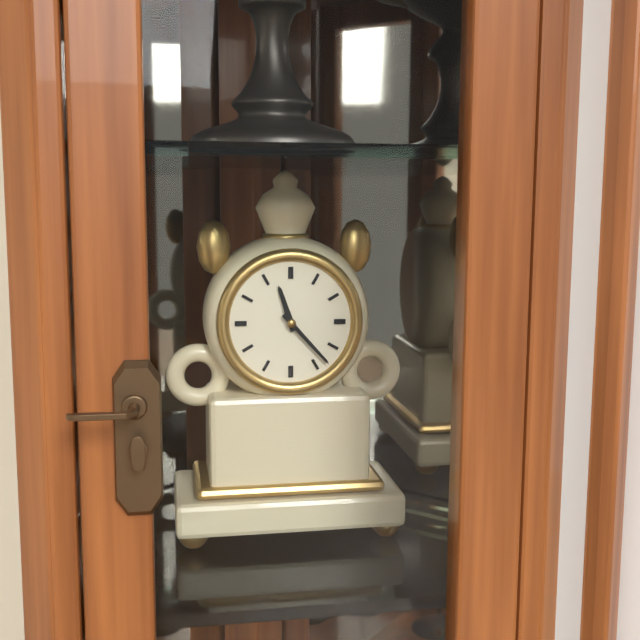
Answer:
11,23
